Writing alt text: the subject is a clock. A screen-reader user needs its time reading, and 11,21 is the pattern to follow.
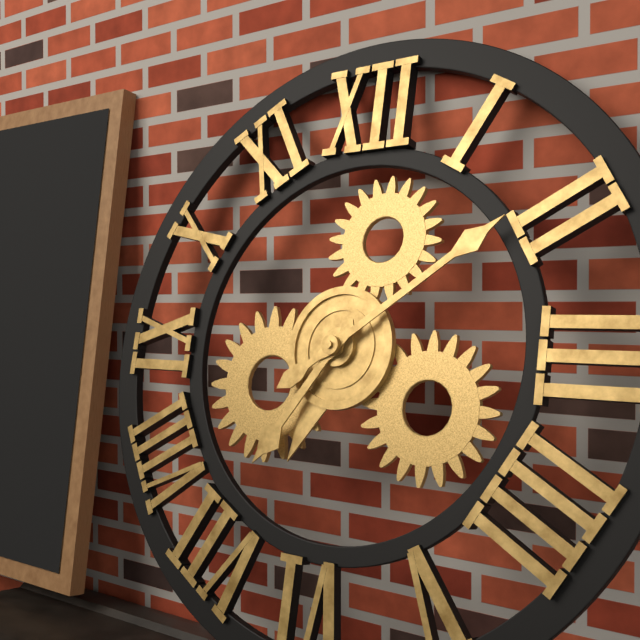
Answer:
7,09
